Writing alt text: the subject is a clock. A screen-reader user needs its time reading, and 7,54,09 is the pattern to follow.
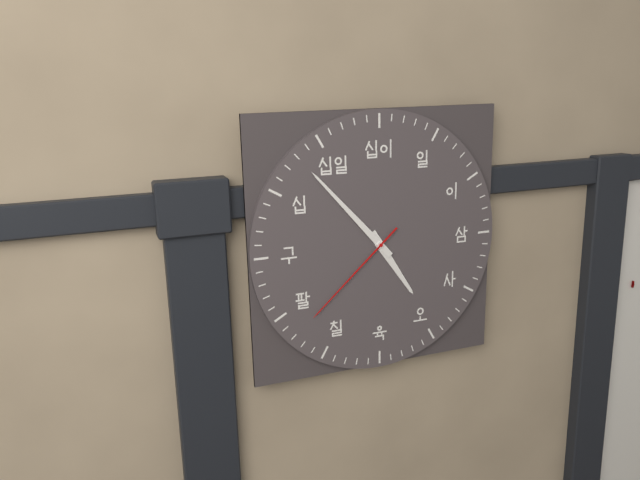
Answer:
4,53,38
